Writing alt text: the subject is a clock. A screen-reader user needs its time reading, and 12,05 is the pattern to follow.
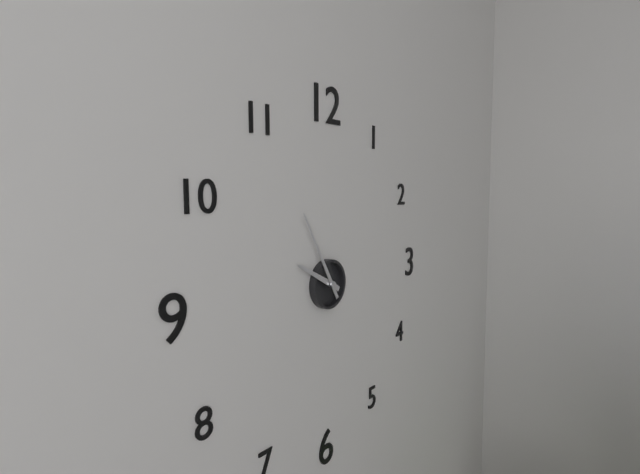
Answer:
9,55
